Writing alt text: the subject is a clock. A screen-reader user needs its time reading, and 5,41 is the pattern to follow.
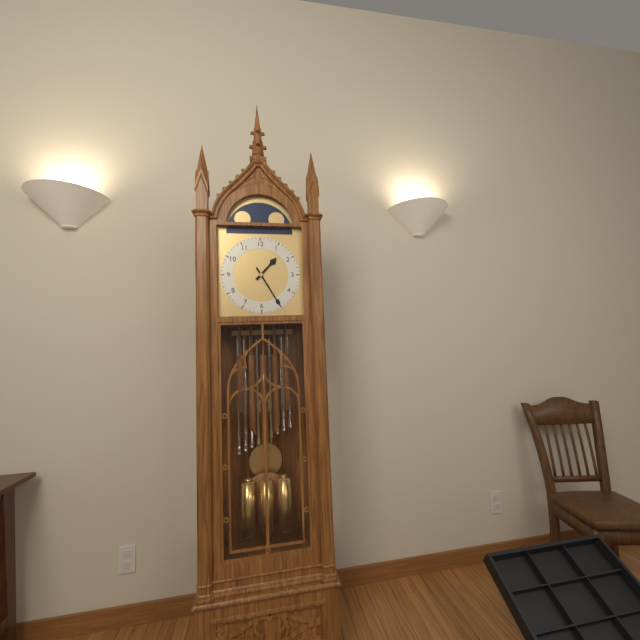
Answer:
1,25
